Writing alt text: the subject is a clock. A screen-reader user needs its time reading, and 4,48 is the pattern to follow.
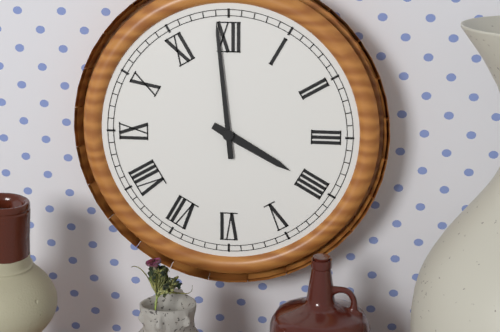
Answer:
3,59
